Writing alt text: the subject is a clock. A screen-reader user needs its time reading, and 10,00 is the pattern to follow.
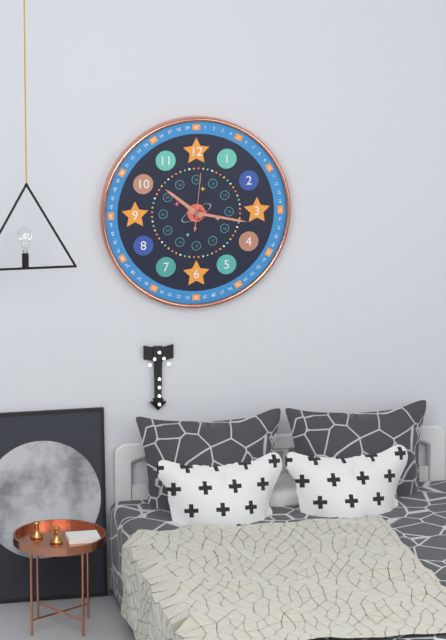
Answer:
10,17
